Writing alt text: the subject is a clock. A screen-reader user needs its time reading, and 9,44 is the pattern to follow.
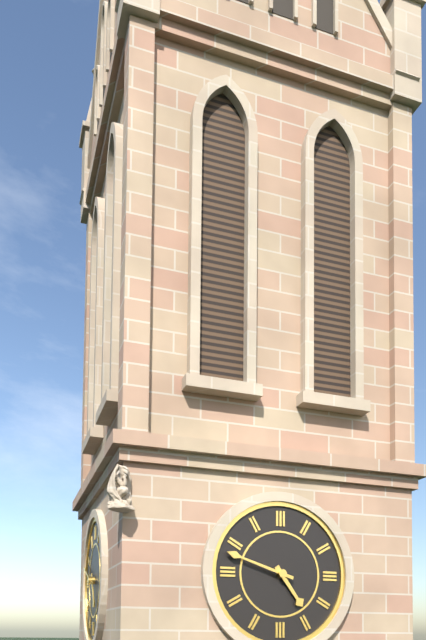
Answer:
4,48
